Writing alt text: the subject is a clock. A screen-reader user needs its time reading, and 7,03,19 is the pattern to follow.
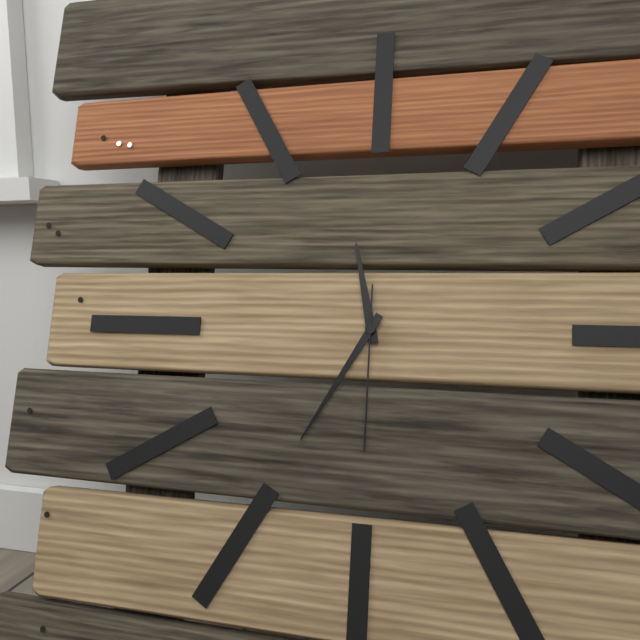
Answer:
11,35,30
